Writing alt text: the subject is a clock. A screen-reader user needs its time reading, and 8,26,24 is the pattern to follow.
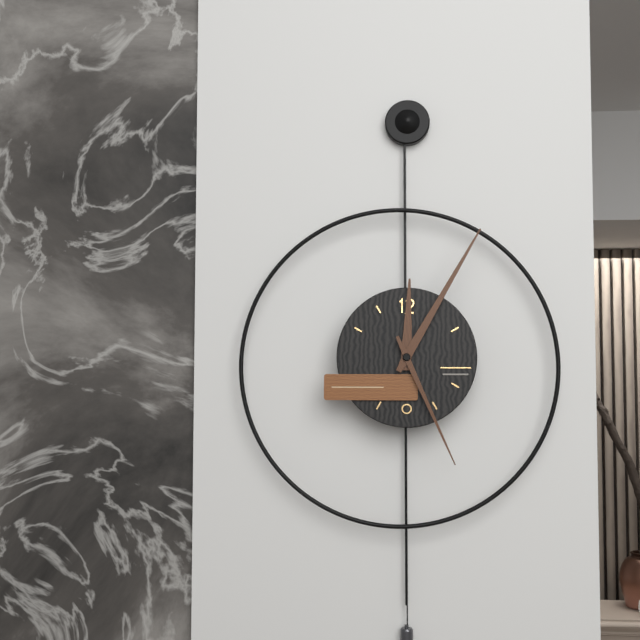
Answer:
12,05,26
